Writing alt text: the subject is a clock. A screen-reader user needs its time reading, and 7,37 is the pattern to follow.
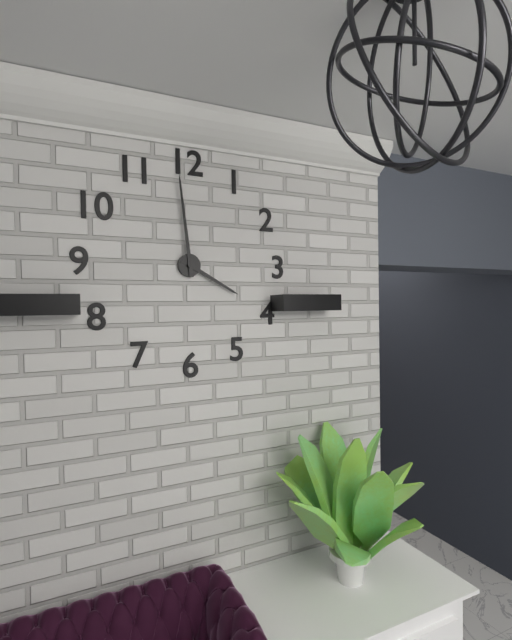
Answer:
3,59
